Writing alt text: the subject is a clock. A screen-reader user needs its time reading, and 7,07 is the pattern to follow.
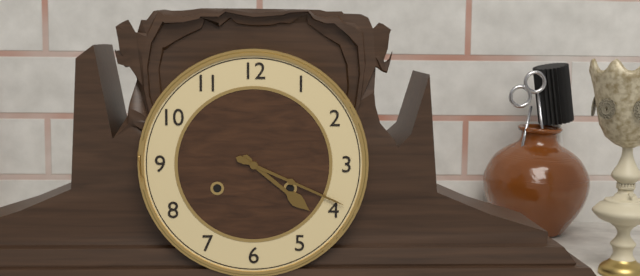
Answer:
4,19
